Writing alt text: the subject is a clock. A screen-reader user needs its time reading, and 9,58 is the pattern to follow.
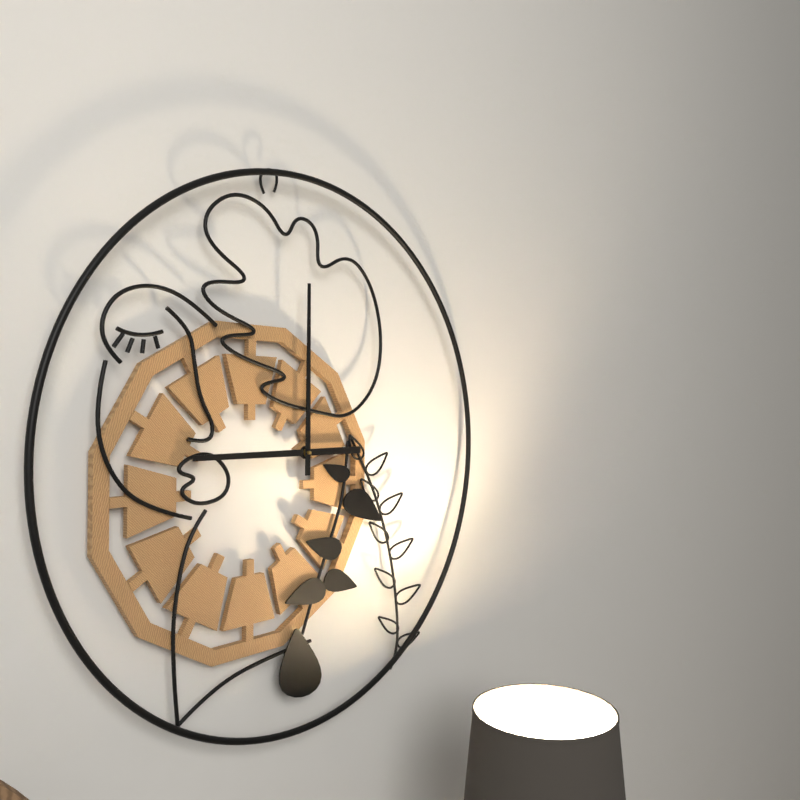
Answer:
9,00
